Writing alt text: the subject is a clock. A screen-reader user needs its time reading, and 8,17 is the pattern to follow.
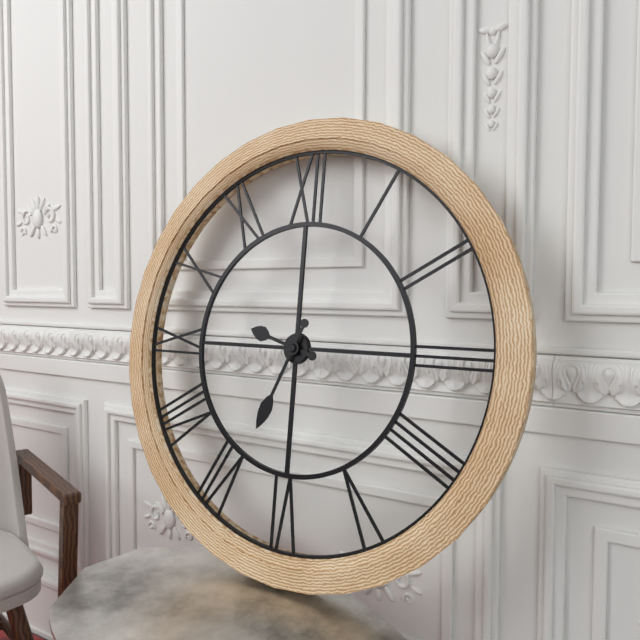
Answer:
9,34
